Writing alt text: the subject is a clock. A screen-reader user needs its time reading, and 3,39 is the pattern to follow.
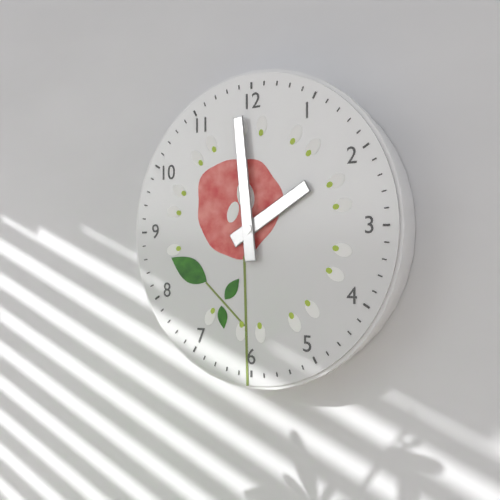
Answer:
1,59
